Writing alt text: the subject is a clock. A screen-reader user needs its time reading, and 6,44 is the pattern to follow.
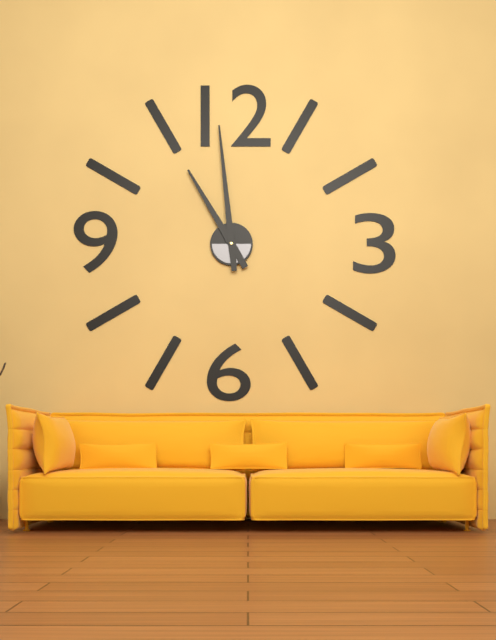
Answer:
10,59
